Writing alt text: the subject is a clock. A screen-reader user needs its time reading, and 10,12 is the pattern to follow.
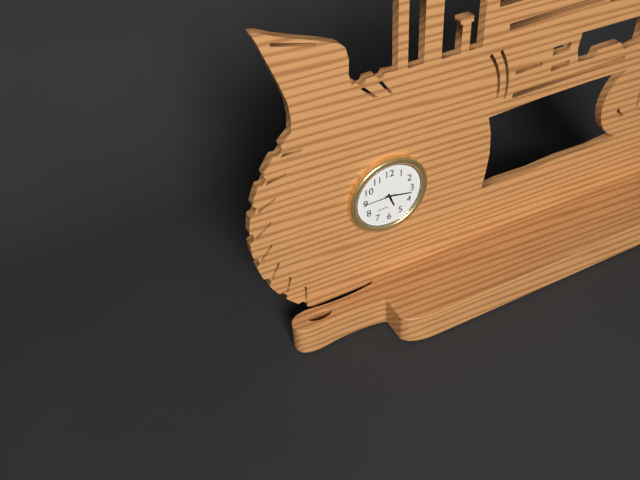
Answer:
5,17
